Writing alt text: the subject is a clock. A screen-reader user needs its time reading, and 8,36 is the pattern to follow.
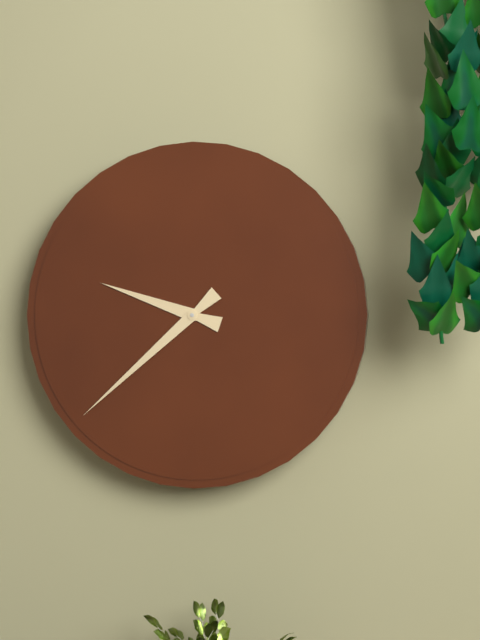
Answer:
9,38
